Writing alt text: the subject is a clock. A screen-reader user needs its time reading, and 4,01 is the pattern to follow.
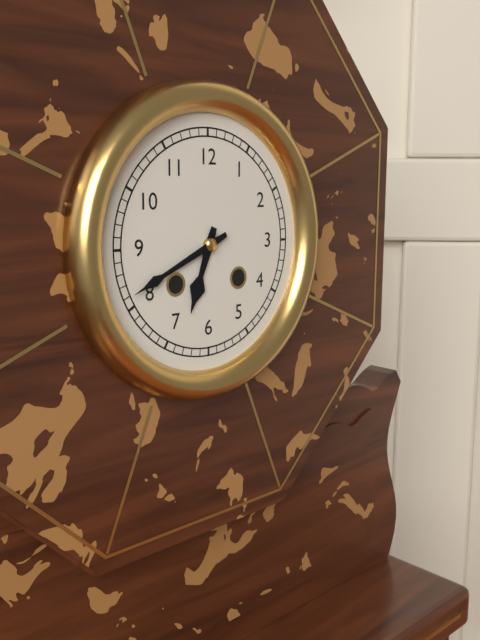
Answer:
6,41
